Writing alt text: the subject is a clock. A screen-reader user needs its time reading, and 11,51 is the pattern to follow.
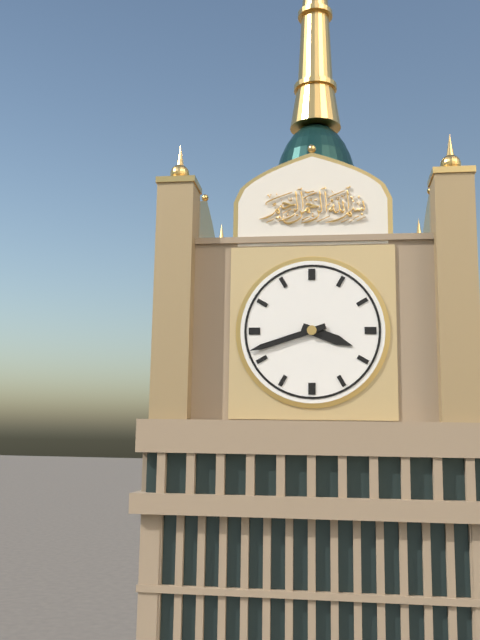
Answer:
3,42
